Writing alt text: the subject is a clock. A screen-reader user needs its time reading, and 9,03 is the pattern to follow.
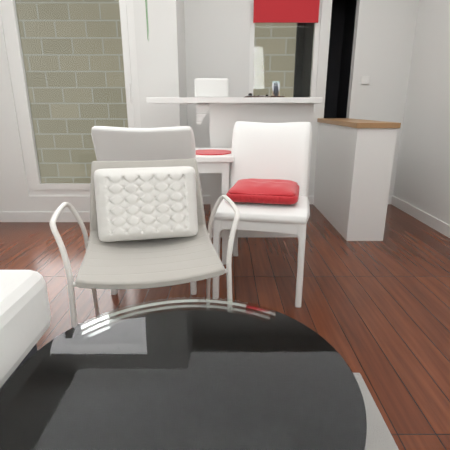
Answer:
12,21
